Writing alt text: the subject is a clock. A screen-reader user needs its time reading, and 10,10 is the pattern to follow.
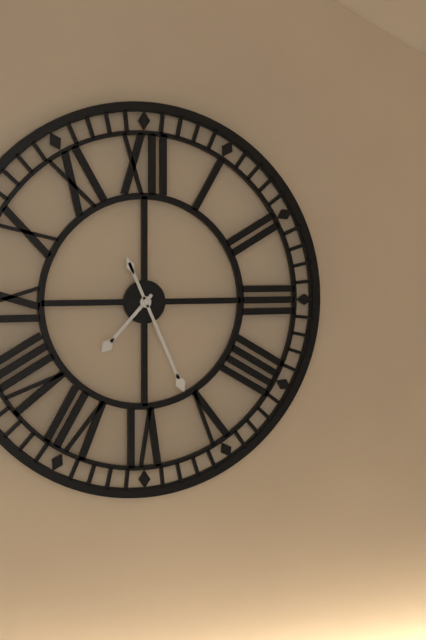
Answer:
7,26
